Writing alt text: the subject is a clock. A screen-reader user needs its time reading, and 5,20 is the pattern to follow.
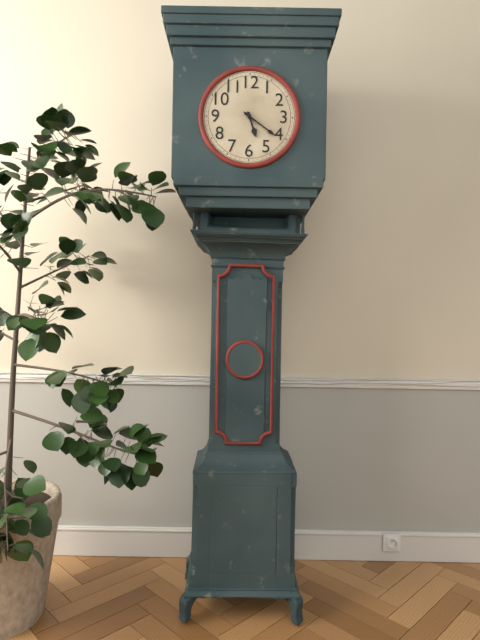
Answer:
5,21
